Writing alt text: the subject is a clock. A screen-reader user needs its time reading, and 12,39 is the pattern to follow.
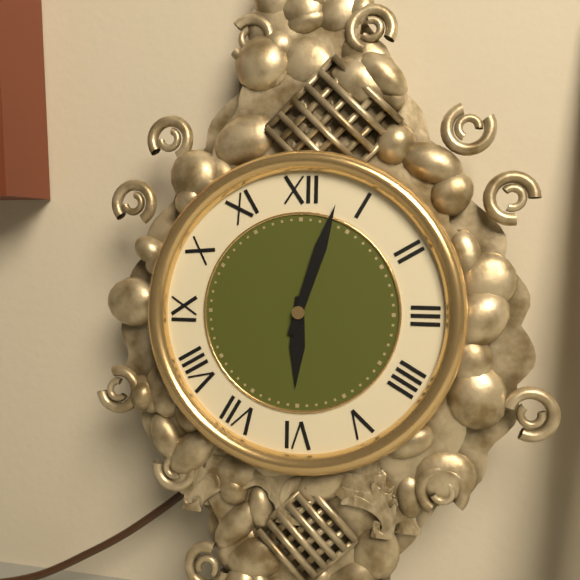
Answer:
6,03
